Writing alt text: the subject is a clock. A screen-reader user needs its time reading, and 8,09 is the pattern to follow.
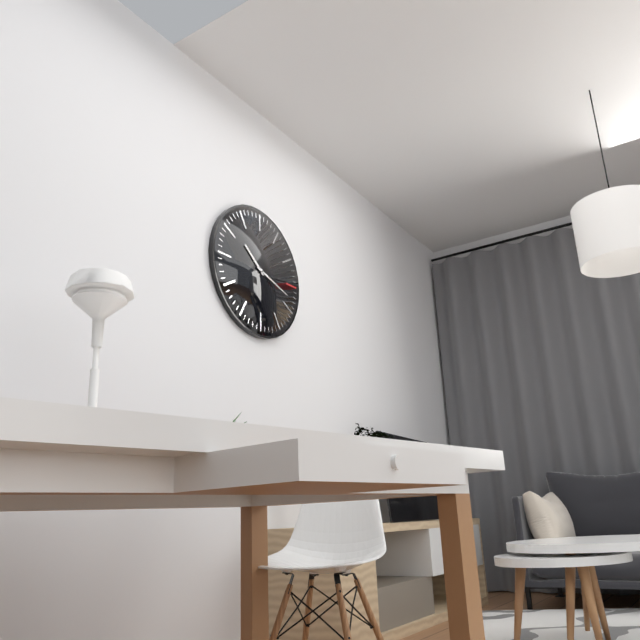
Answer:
10,18
